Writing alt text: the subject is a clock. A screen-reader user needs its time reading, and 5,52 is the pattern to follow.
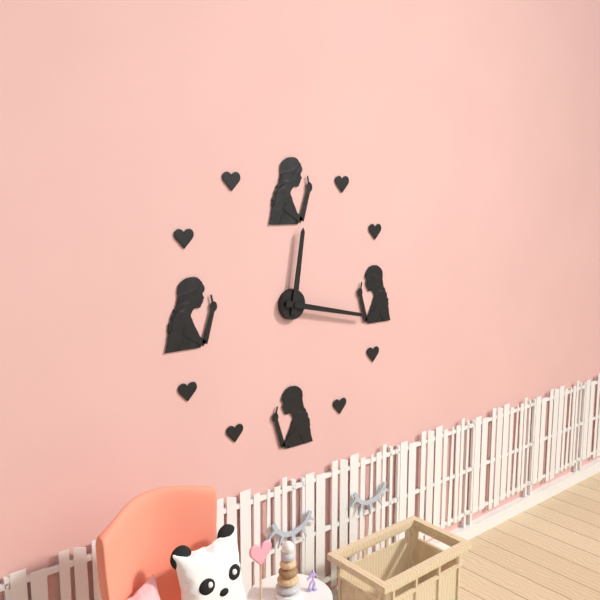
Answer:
12,17
